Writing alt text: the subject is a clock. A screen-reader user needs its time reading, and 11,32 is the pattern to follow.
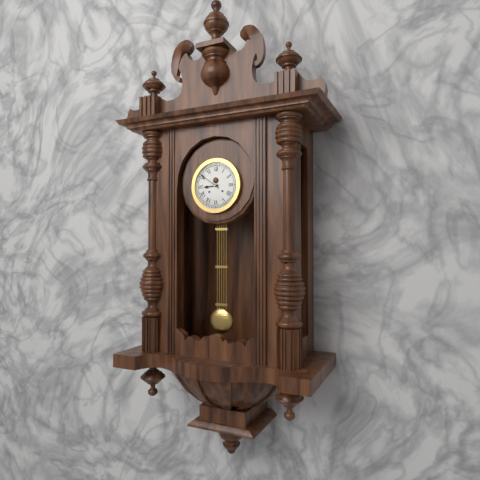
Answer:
8,51
